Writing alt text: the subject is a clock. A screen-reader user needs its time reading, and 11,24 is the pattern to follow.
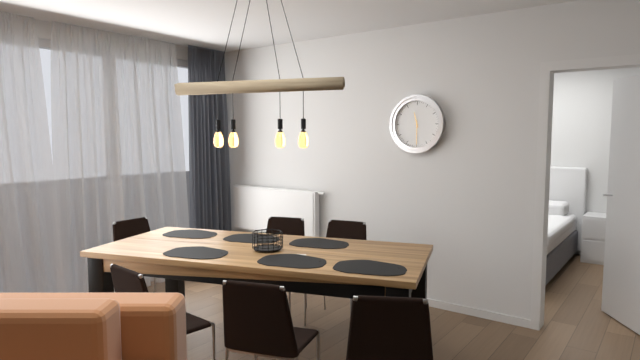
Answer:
11,30
